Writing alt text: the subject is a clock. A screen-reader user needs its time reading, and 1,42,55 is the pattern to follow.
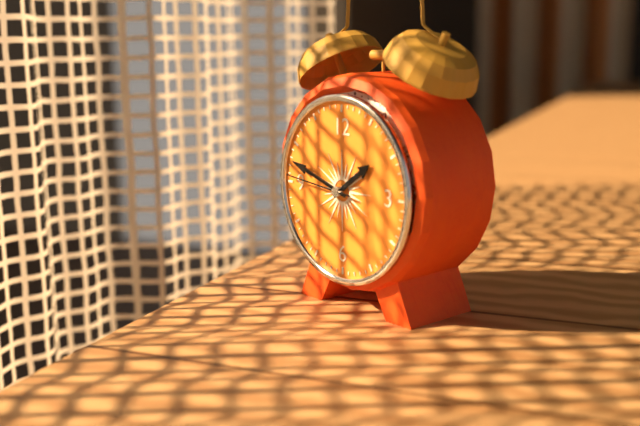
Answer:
1,48,46
